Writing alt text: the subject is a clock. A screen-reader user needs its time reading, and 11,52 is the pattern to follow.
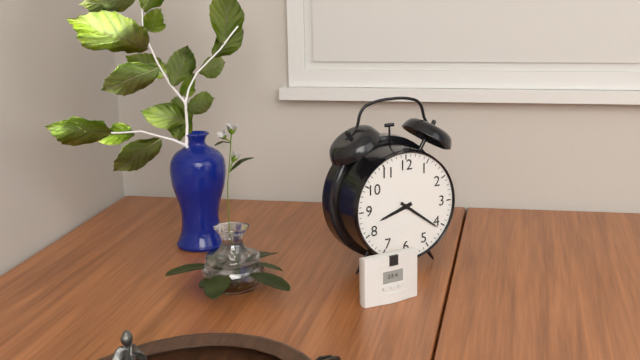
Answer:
8,21
